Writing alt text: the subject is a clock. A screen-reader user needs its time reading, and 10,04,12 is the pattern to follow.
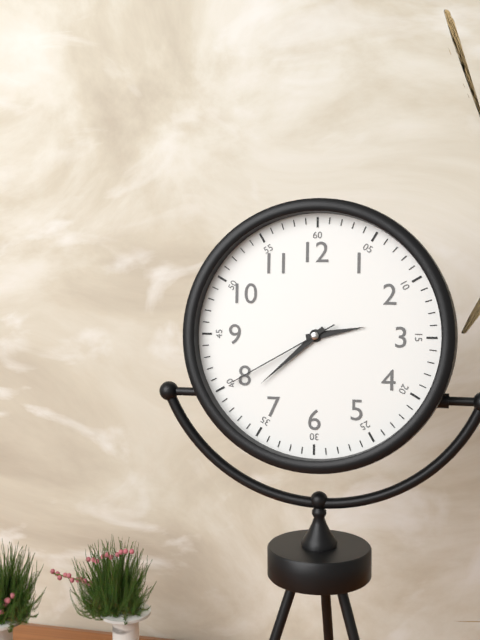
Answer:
2,38,40
